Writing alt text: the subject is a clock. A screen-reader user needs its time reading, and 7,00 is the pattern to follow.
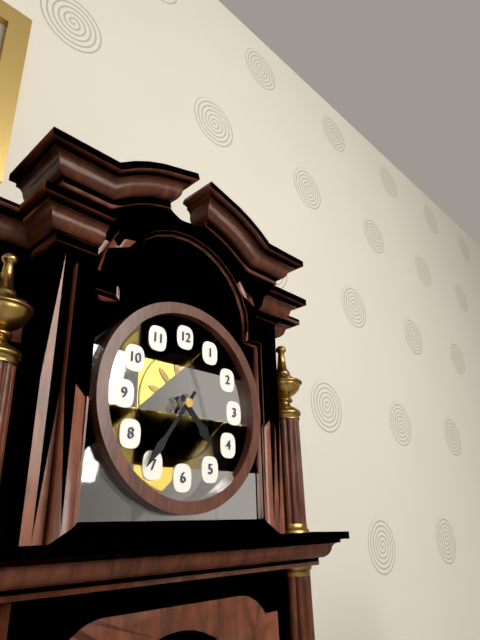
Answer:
4,36
